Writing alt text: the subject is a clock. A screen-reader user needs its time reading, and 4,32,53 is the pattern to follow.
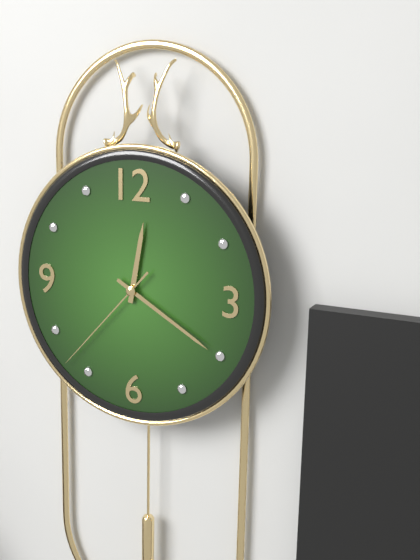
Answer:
12,20,37
